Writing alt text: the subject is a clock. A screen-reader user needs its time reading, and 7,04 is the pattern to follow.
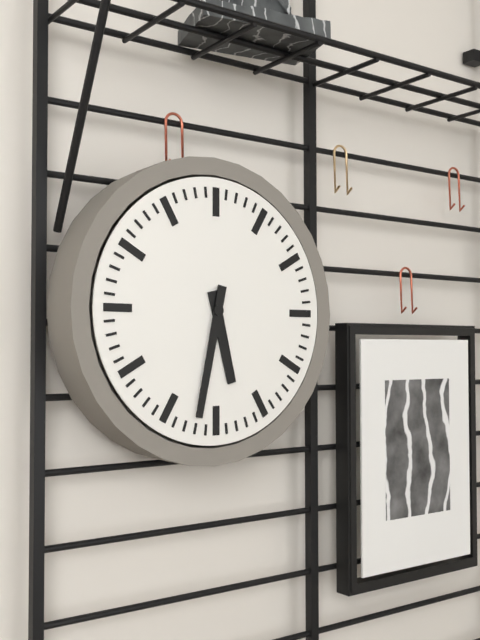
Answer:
5,32
